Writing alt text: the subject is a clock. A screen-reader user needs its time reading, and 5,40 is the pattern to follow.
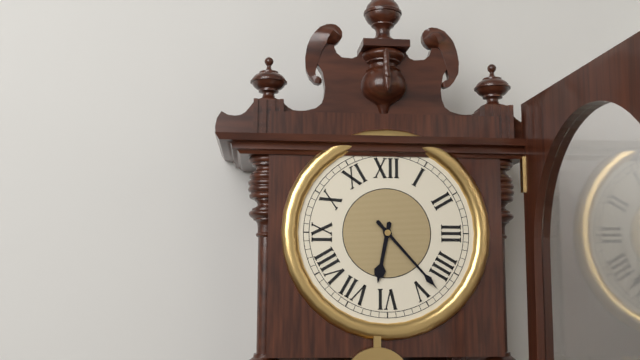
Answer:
6,23
